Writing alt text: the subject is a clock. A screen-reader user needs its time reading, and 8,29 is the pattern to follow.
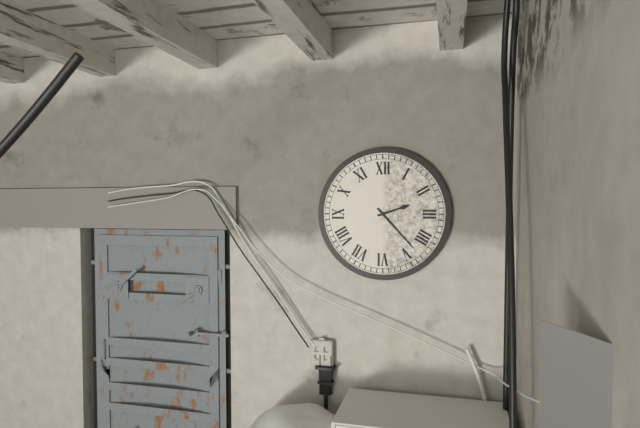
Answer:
2,23
